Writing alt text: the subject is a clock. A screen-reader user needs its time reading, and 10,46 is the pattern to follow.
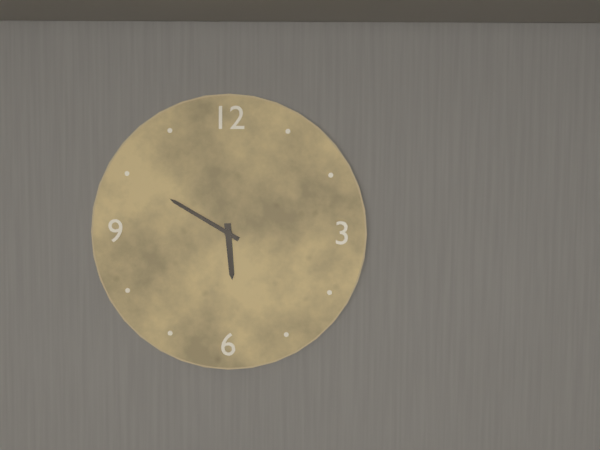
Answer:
5,50
